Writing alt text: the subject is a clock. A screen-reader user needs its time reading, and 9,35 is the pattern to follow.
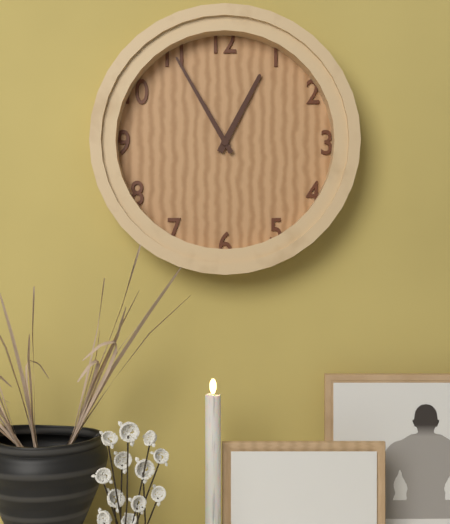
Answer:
12,55
